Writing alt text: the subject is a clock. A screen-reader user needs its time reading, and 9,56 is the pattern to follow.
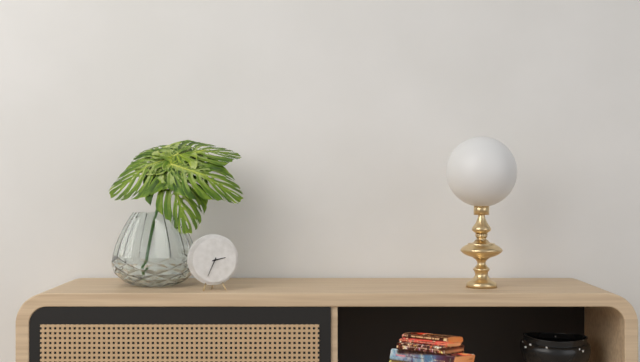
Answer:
2,34
